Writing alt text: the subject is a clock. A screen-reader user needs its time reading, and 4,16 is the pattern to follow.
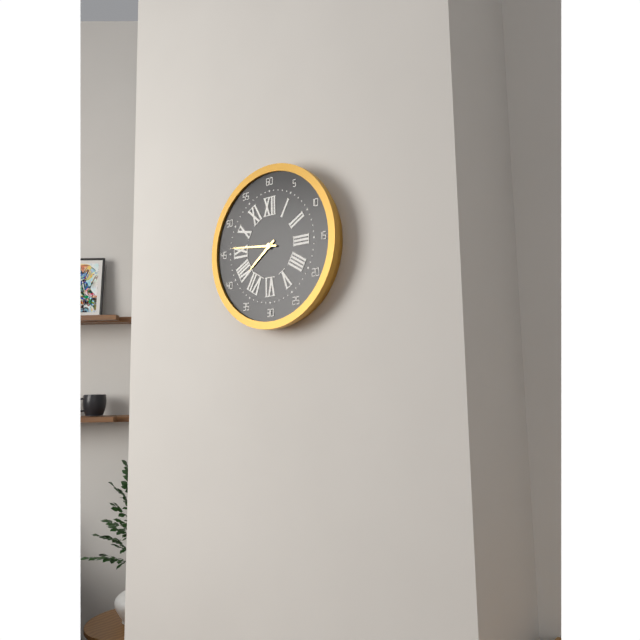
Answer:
7,46
